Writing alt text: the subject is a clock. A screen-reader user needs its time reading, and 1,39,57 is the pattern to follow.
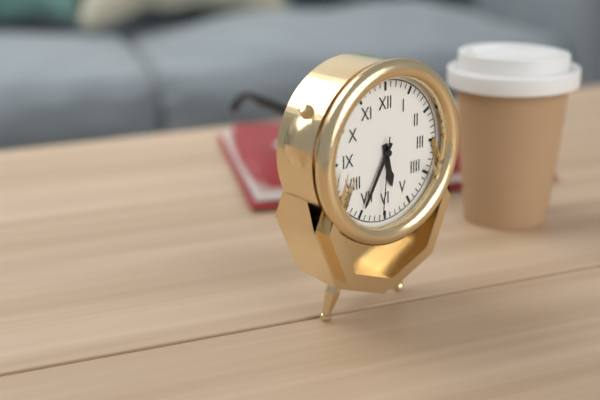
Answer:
5,35,31
